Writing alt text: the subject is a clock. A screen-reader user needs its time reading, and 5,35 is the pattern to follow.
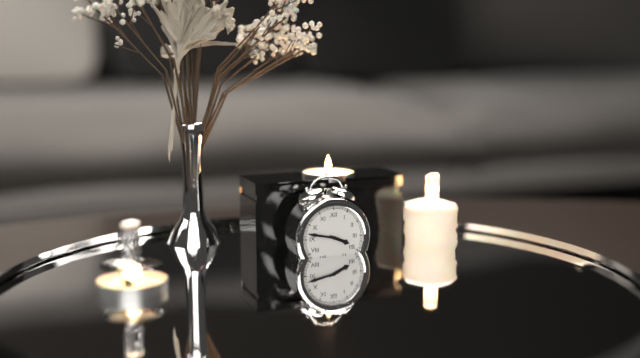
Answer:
3,47
